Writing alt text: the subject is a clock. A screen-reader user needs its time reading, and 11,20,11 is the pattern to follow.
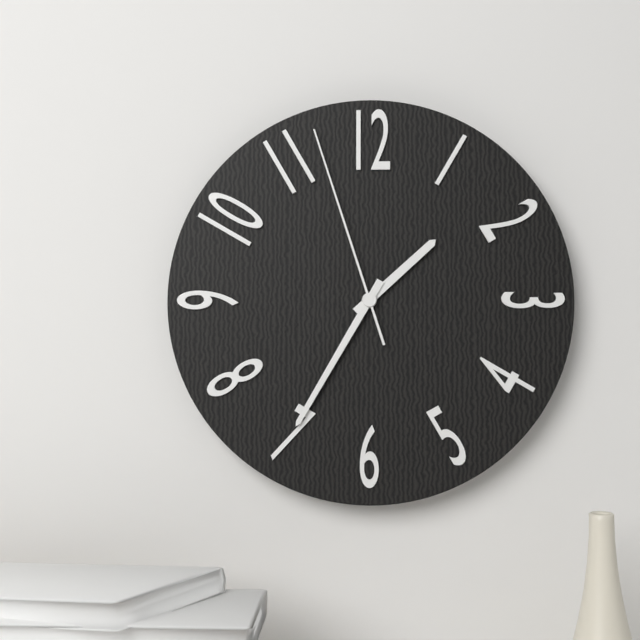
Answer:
1,35,57
